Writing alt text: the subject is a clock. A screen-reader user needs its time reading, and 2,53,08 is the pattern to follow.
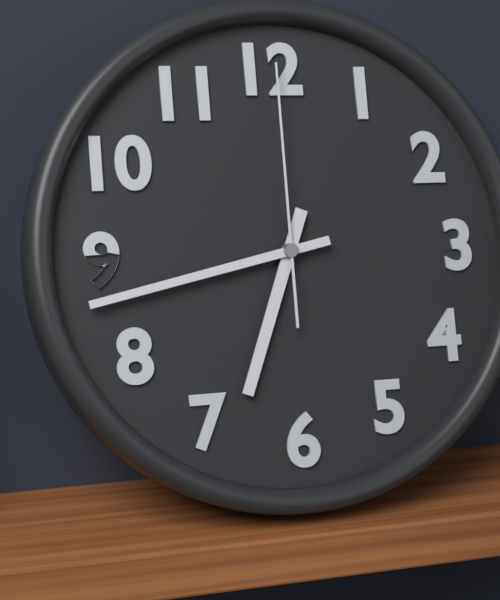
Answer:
6,43,00
